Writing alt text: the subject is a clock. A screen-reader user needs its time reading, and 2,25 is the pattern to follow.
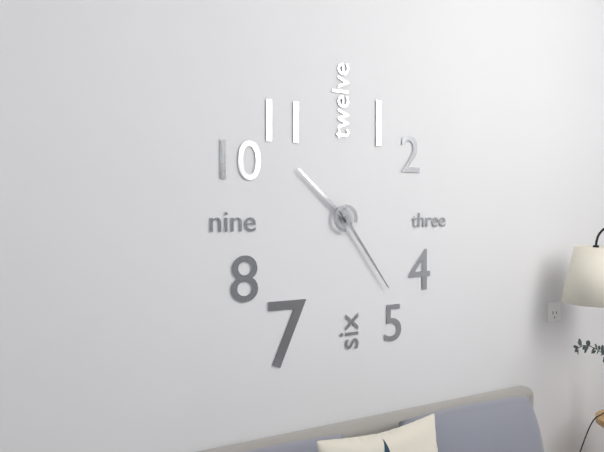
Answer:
10,24
